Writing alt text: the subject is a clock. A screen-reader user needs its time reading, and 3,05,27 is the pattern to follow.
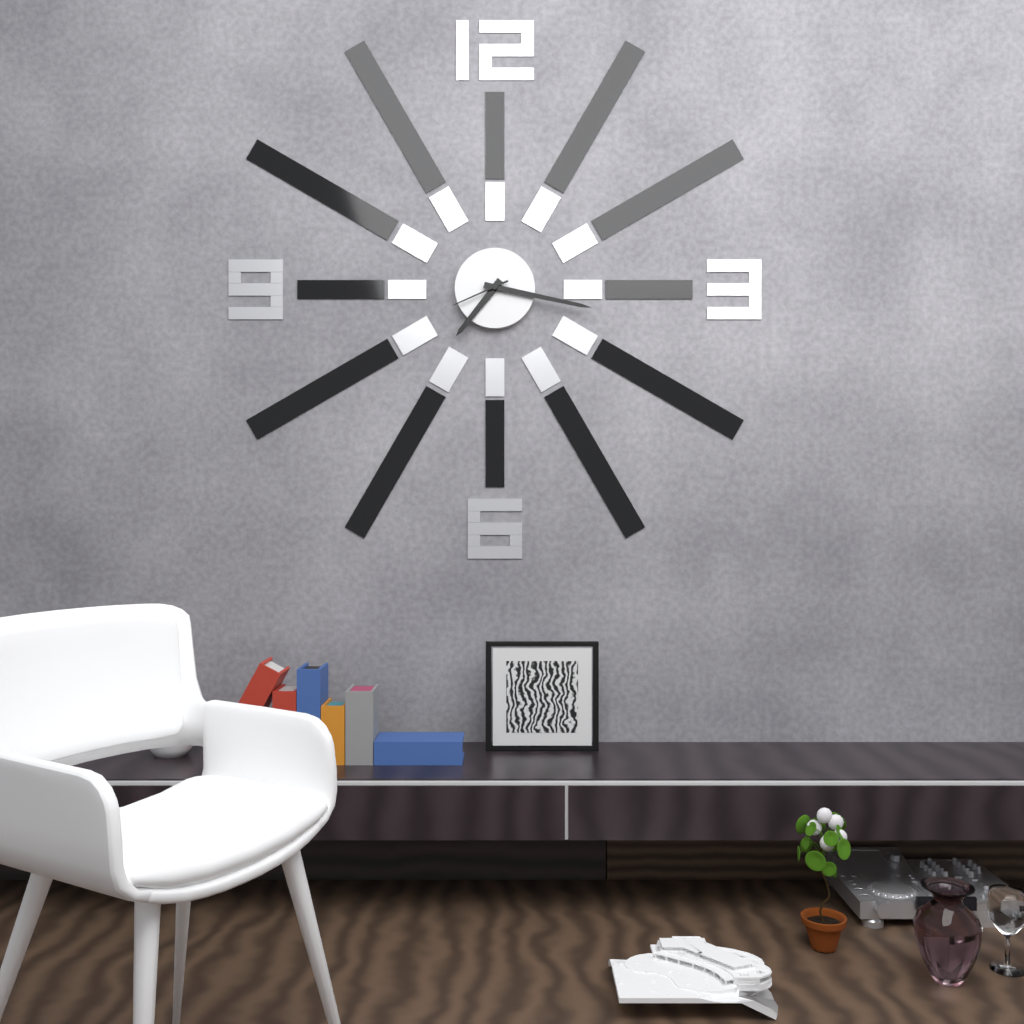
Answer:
7,17,41
